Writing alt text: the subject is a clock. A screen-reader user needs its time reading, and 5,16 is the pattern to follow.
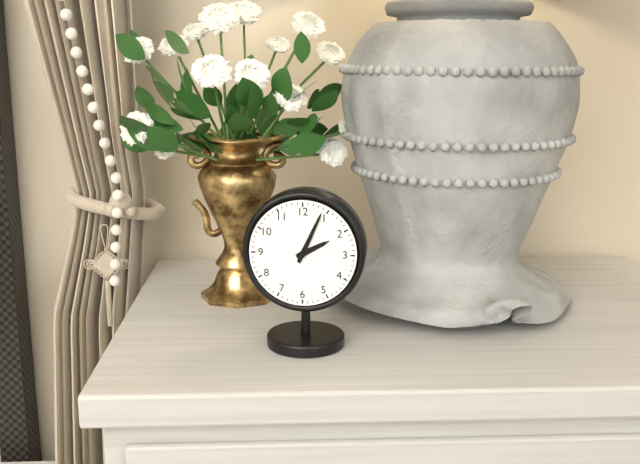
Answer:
2,04
